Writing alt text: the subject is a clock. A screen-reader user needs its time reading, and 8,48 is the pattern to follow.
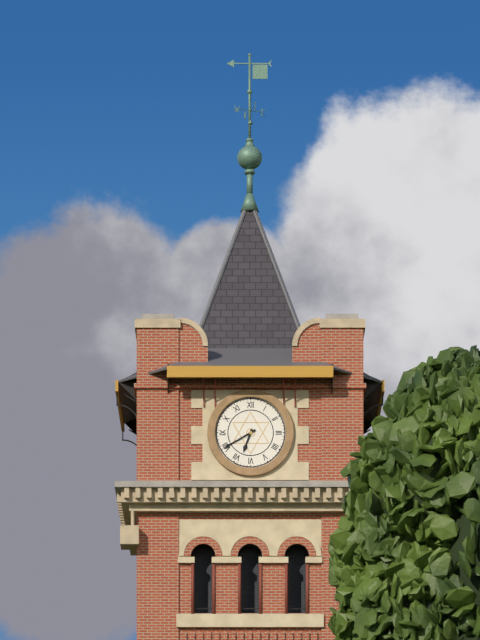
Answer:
6,40
